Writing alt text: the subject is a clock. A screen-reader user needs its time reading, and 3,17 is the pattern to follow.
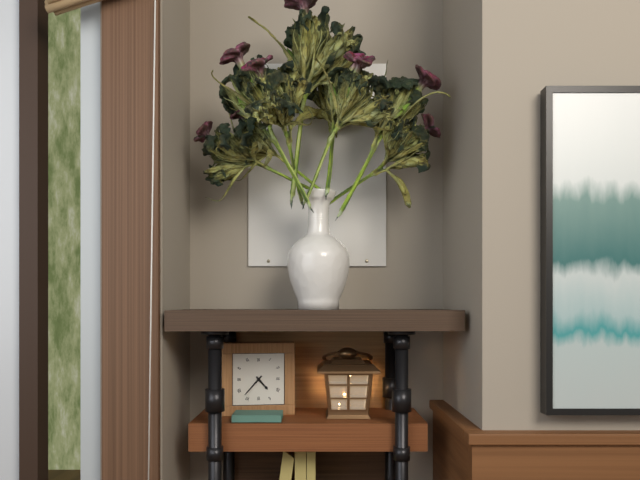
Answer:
4,37
